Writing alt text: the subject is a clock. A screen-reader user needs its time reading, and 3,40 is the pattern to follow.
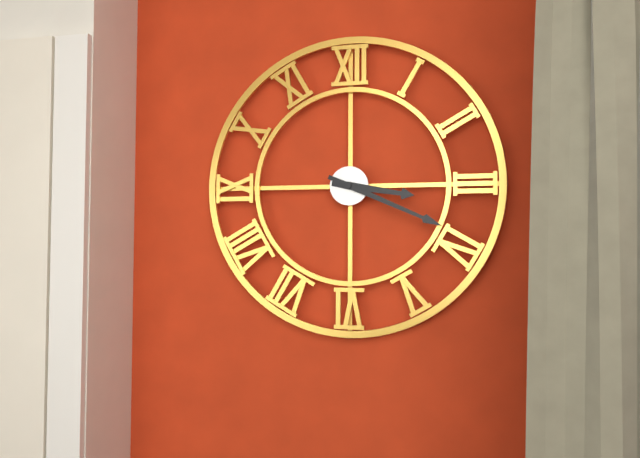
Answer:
3,19
